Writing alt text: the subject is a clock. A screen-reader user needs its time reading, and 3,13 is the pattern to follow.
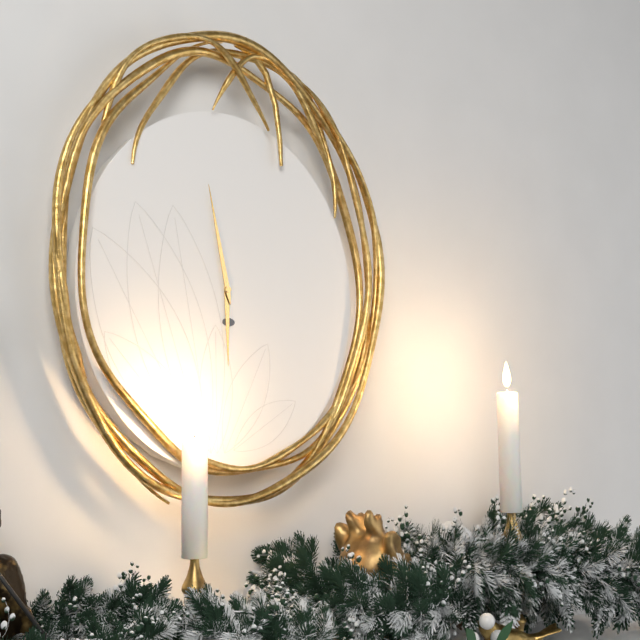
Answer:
5,58
